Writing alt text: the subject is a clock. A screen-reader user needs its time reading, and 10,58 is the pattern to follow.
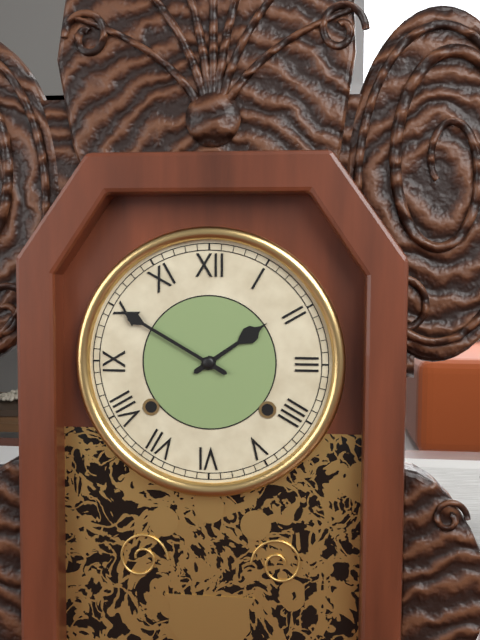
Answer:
1,50
